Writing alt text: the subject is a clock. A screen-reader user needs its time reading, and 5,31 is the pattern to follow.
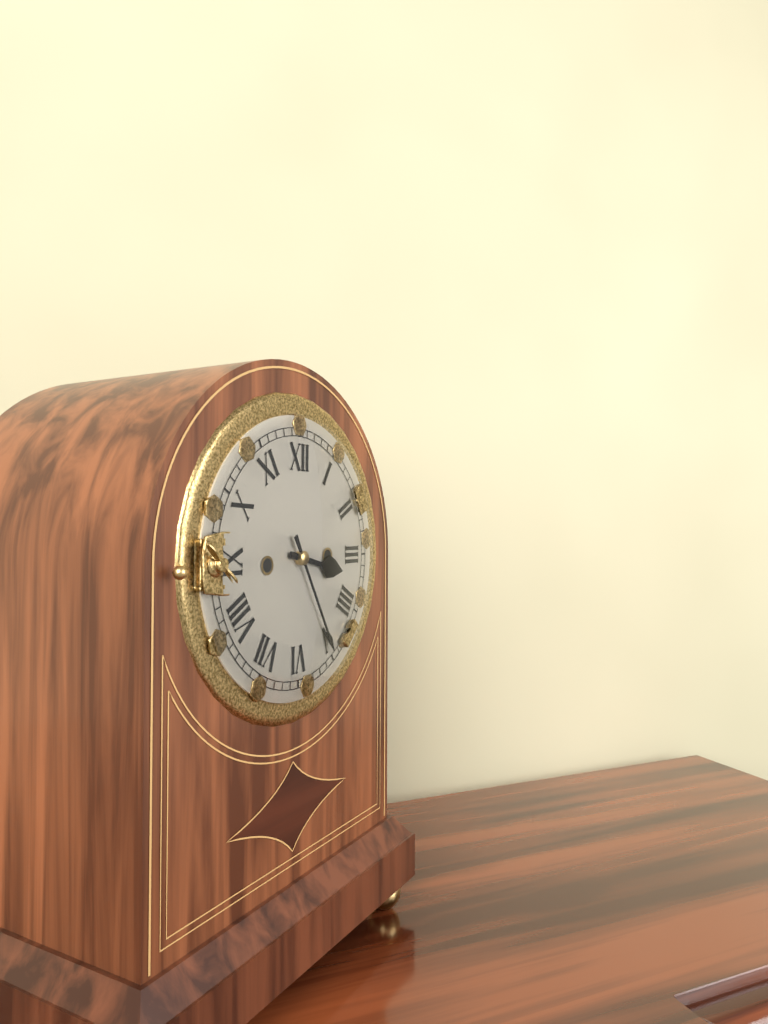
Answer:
3,25
